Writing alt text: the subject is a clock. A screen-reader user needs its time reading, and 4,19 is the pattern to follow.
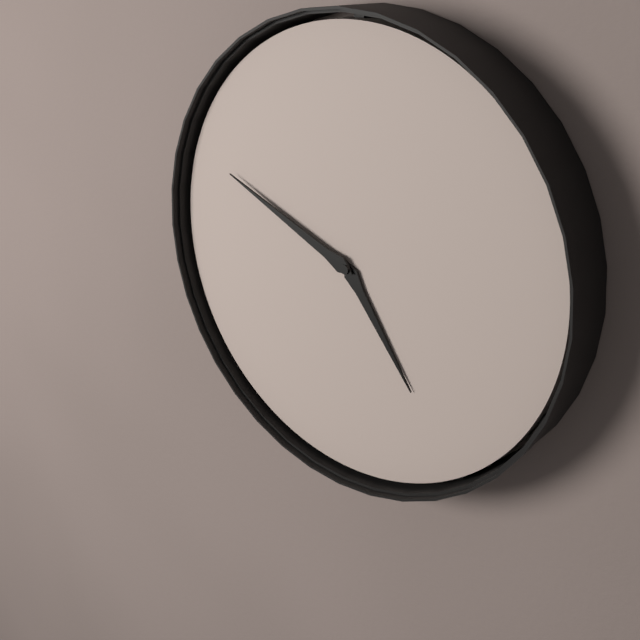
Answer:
4,49
